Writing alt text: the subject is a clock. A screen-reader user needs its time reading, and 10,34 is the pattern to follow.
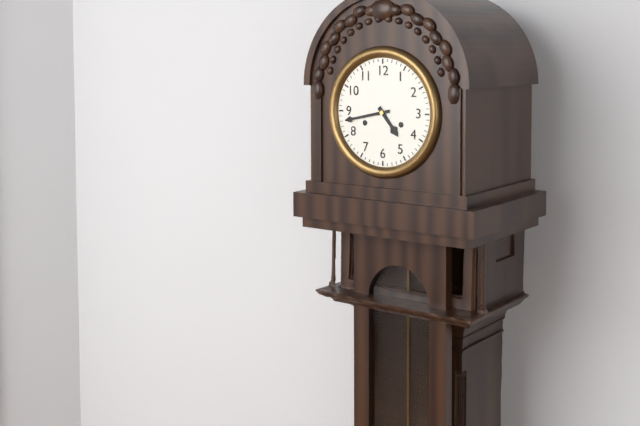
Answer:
4,43
